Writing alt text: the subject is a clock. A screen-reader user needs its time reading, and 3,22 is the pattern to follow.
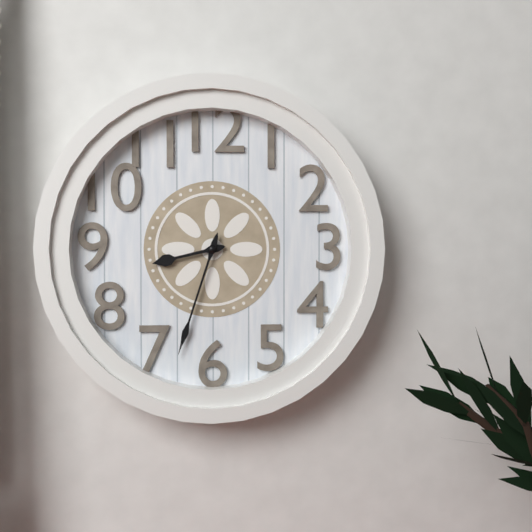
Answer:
8,33
